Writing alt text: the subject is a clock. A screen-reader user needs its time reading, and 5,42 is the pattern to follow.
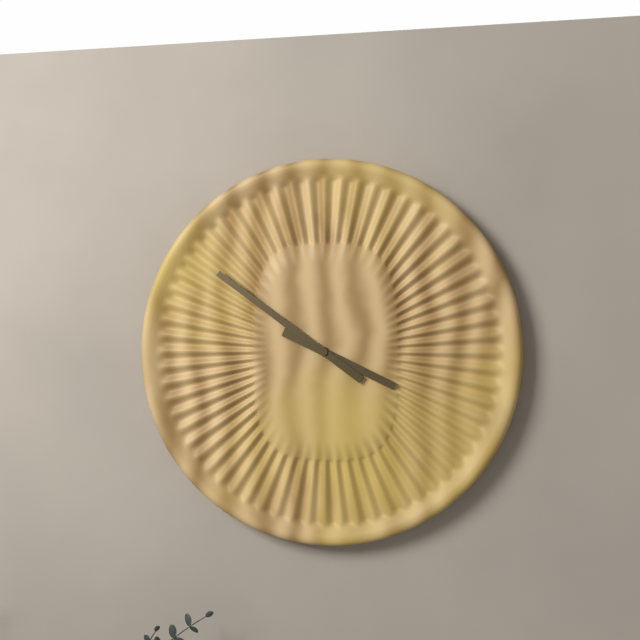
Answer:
3,51
